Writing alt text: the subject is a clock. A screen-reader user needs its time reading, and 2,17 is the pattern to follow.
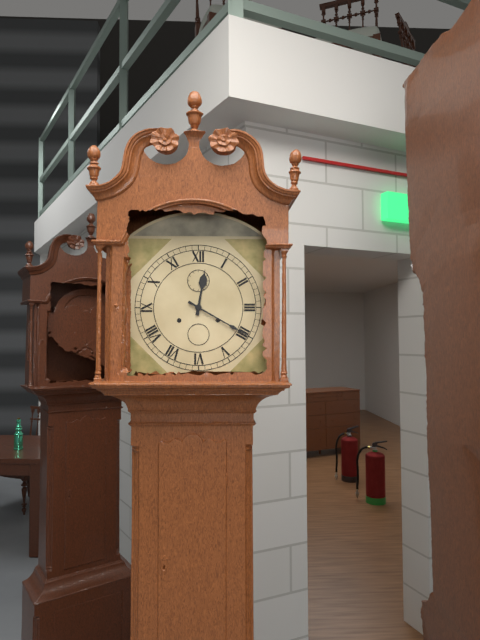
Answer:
12,20
